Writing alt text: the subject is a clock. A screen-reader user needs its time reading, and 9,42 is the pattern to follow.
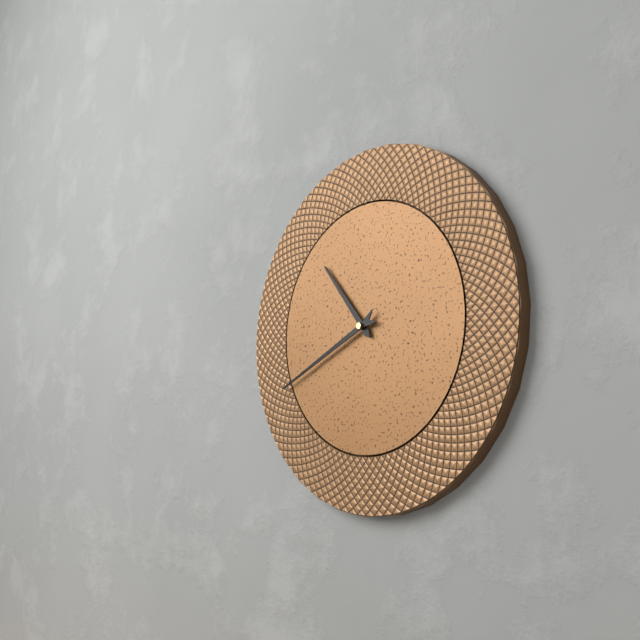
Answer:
10,41
